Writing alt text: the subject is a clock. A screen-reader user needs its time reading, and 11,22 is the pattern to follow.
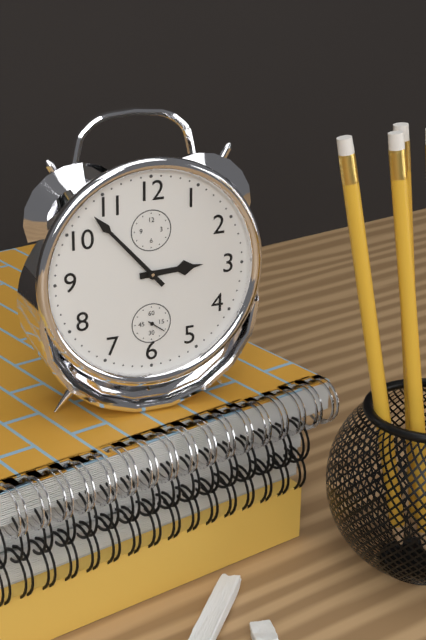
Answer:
2,53
